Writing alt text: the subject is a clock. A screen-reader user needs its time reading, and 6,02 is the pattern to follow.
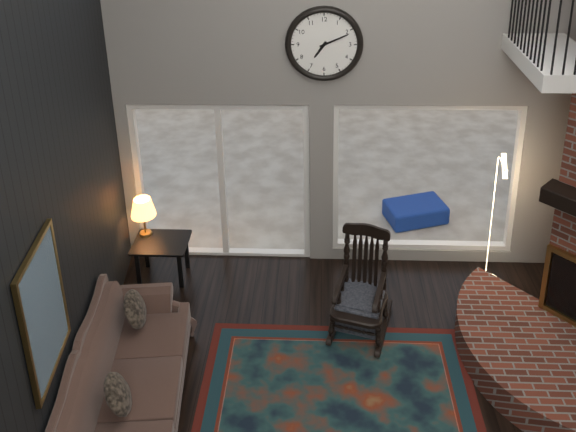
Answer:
7,11
